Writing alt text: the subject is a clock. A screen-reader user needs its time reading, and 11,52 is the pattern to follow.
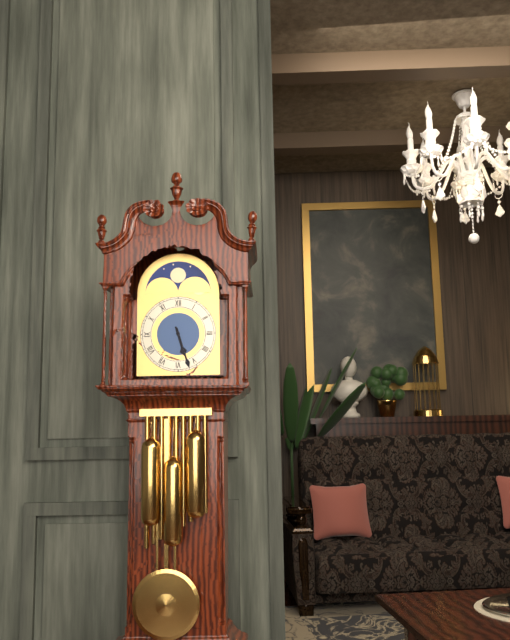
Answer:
5,27
